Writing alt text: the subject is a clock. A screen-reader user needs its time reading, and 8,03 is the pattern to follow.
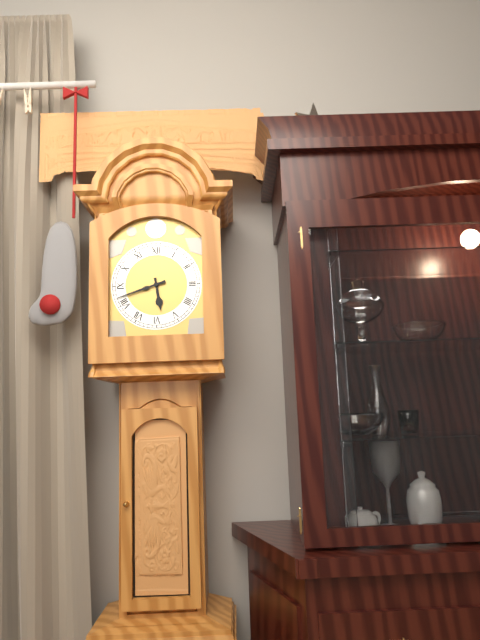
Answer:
5,42
